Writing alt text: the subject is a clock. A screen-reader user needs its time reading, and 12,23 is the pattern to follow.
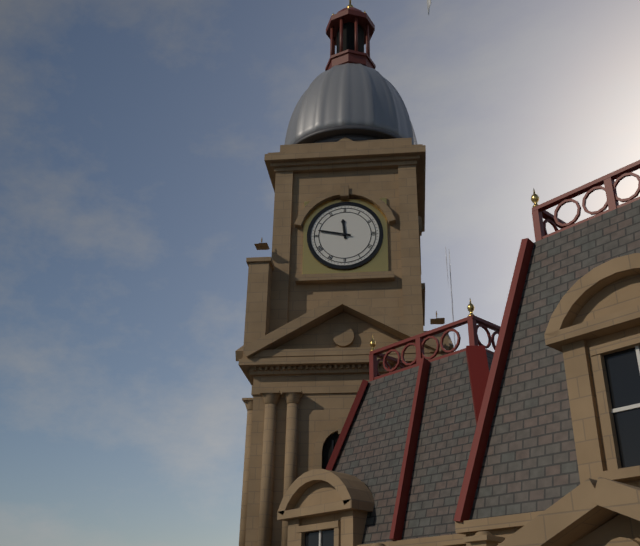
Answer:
11,47
